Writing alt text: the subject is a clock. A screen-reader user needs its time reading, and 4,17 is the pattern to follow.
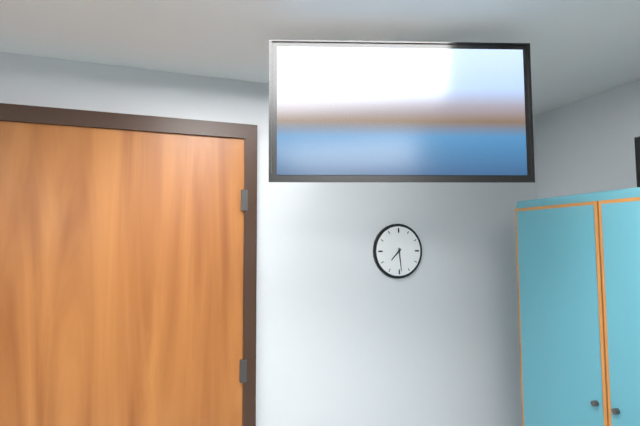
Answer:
7,29
